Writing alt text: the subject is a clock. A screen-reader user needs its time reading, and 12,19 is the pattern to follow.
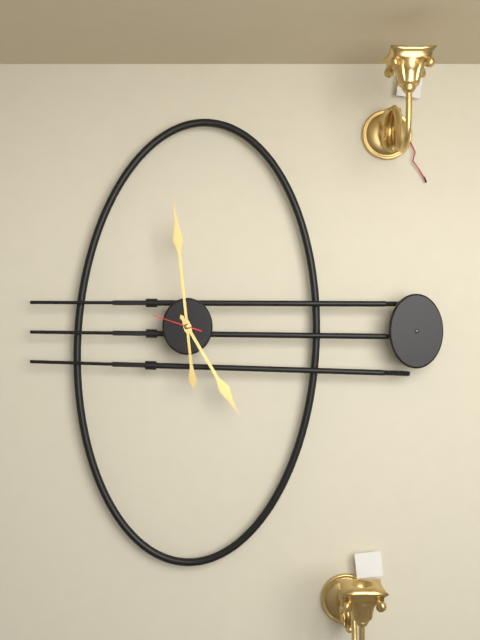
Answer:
4,59
